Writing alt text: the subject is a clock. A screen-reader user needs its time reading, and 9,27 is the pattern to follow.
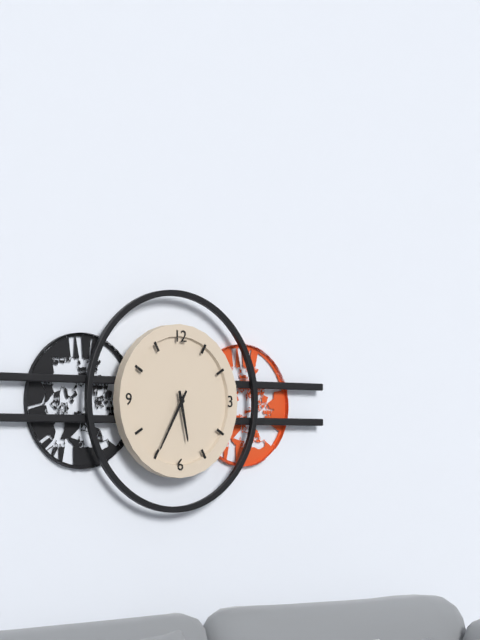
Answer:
5,35
